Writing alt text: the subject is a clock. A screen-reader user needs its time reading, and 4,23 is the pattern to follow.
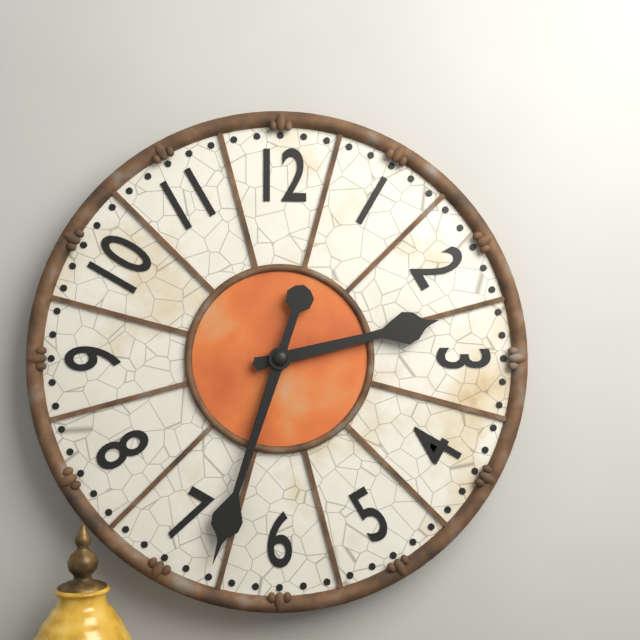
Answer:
2,33
